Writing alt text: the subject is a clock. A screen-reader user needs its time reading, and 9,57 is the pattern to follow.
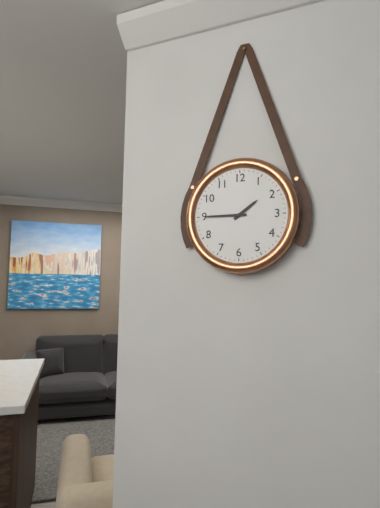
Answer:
1,45
